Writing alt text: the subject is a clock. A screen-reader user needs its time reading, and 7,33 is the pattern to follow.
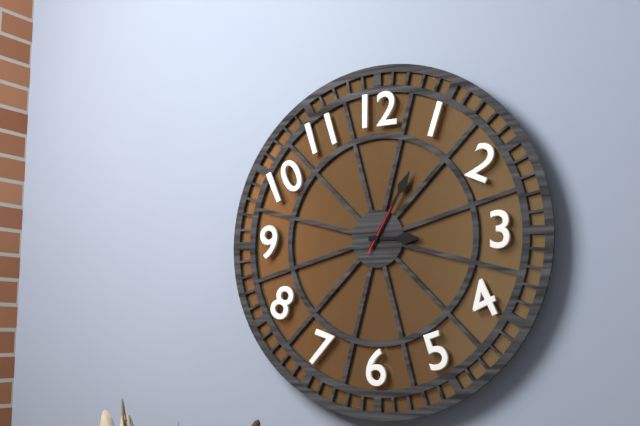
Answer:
3,05
